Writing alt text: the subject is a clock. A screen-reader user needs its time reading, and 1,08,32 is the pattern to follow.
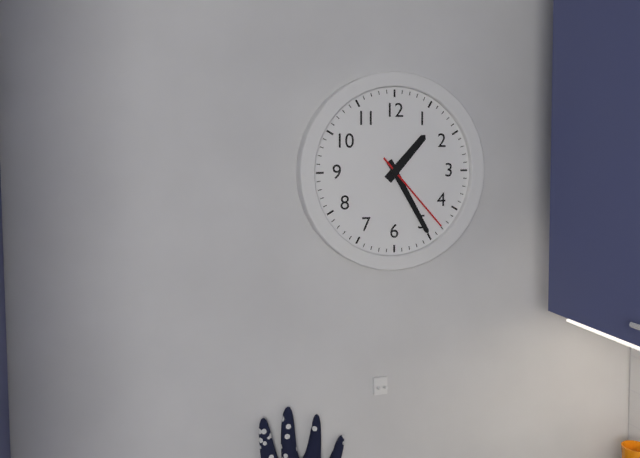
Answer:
1,25,23
